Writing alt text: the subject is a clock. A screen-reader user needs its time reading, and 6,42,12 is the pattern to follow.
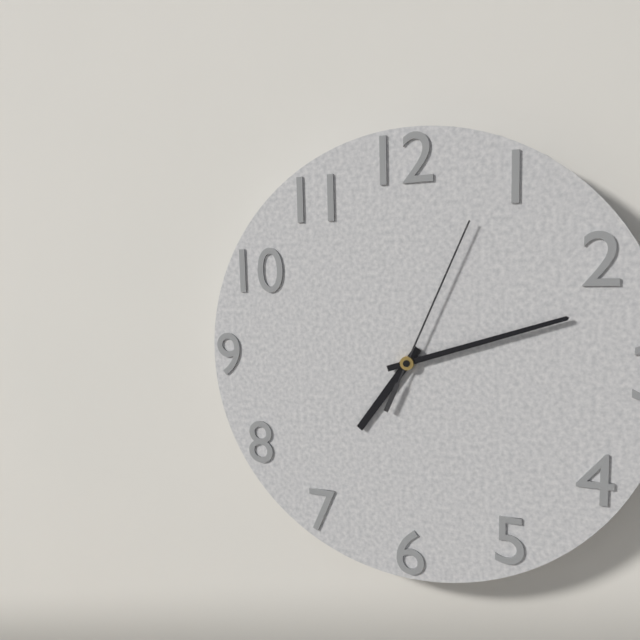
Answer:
7,12,04
